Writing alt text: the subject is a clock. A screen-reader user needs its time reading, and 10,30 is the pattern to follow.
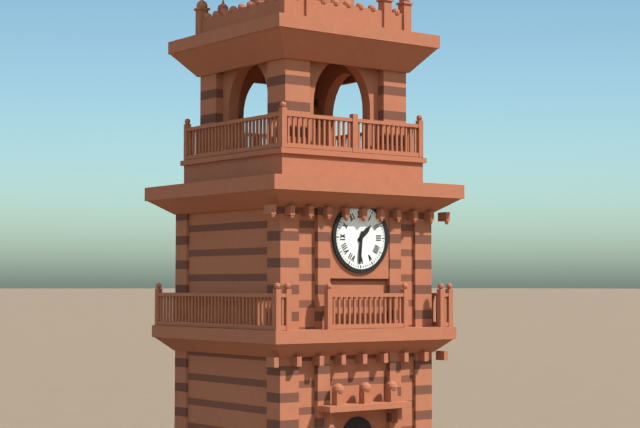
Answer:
1,31
